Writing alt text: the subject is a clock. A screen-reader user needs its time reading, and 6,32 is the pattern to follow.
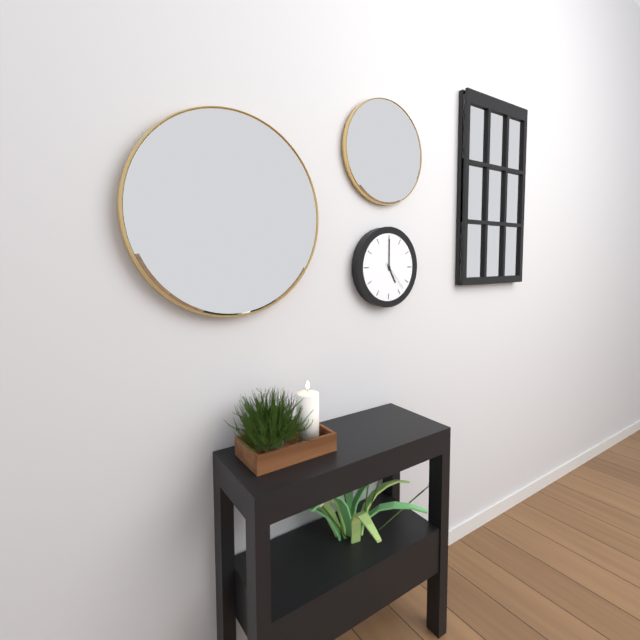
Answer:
5,00
